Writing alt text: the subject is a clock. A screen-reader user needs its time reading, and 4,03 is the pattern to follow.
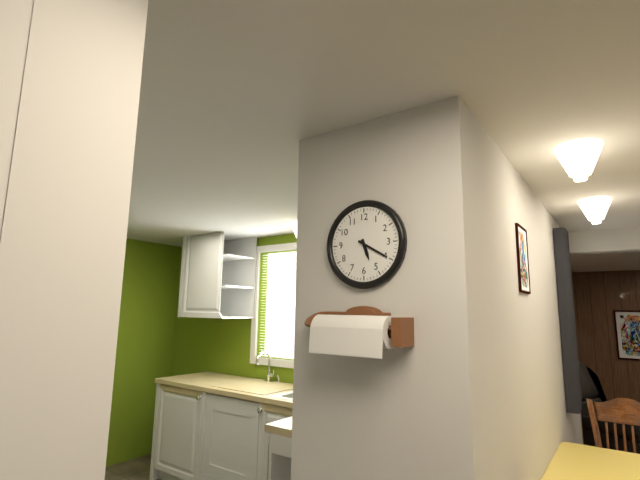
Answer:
5,20
